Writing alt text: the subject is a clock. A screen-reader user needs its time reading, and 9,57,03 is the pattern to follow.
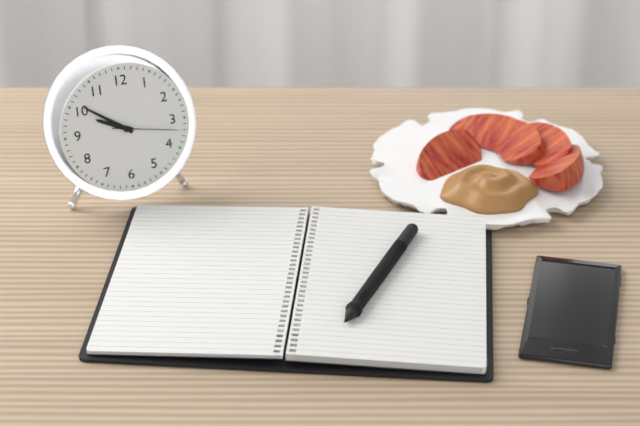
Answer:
9,51,17
